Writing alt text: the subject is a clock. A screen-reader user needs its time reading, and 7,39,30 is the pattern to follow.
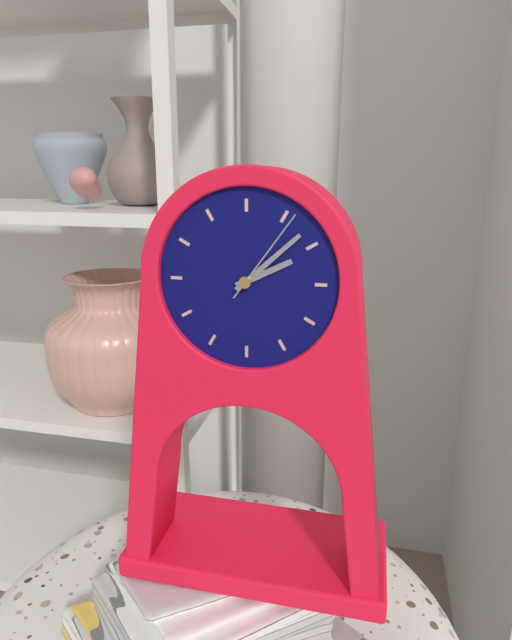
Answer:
2,08,06
